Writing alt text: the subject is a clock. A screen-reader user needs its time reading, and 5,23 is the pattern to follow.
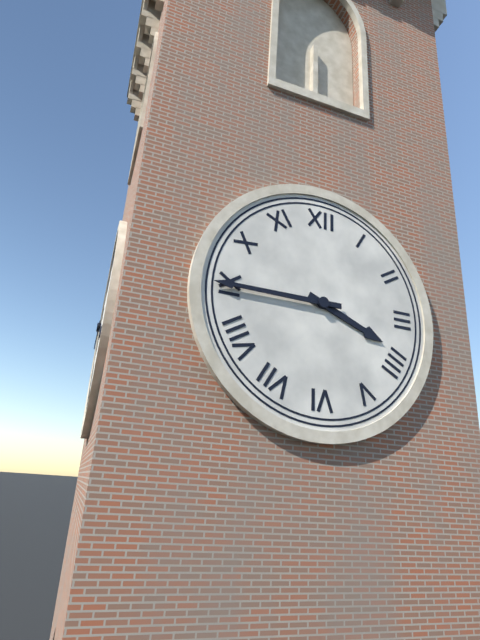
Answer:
3,45
